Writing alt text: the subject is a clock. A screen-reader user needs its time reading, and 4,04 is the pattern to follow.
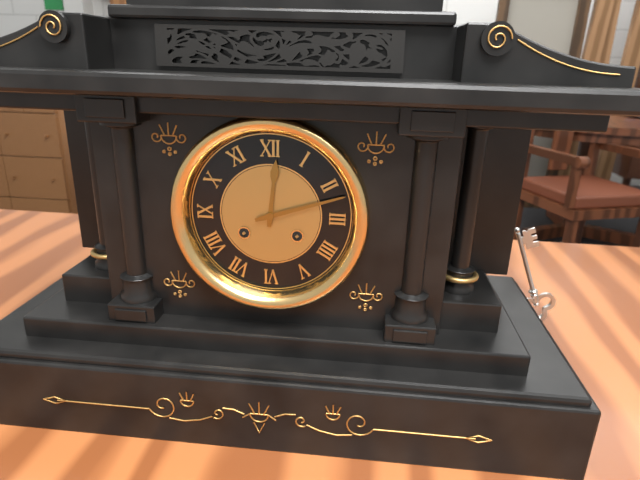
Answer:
12,12
